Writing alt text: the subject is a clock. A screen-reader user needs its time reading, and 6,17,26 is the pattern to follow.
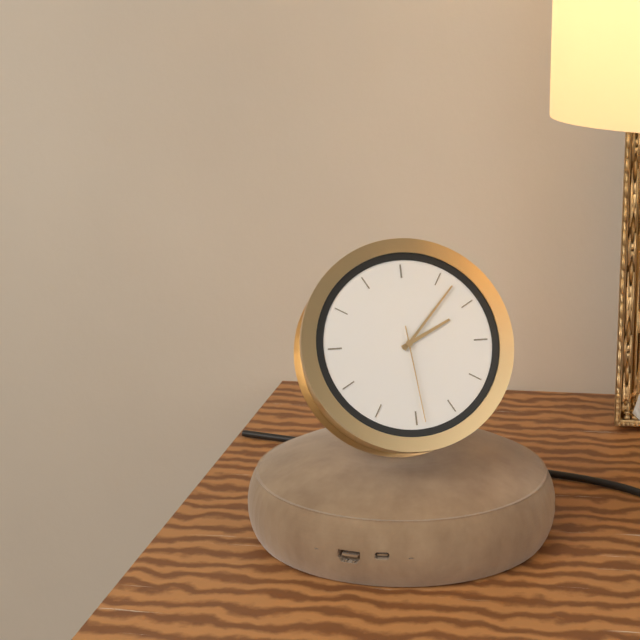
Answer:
2,07,29
